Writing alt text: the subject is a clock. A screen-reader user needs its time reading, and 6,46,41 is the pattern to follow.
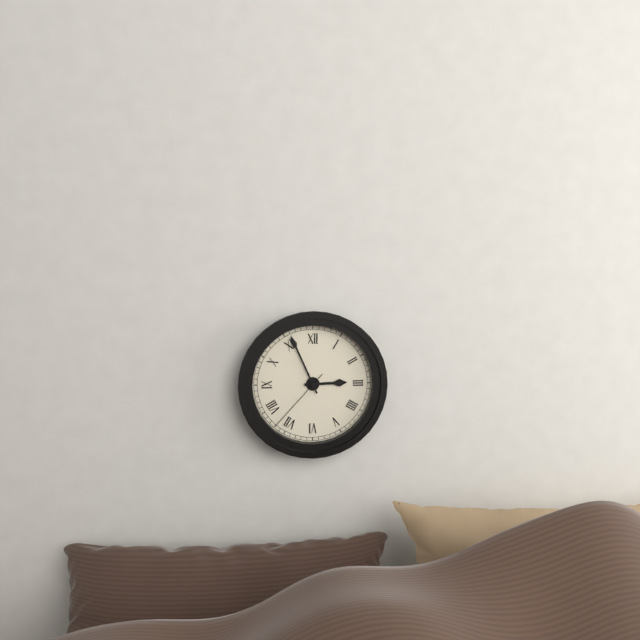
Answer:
2,56,37
